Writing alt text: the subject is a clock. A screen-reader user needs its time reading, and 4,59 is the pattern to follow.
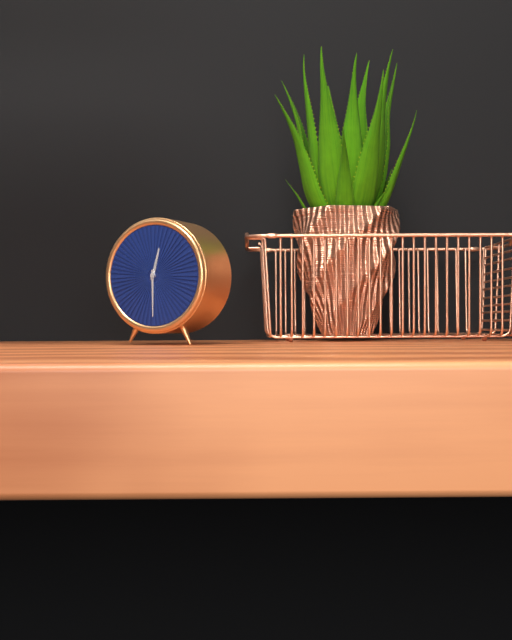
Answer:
12,30
